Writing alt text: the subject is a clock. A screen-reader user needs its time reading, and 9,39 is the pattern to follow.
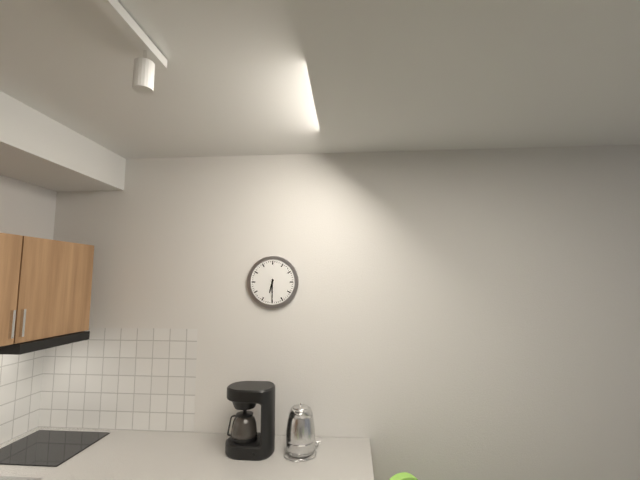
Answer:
6,30
